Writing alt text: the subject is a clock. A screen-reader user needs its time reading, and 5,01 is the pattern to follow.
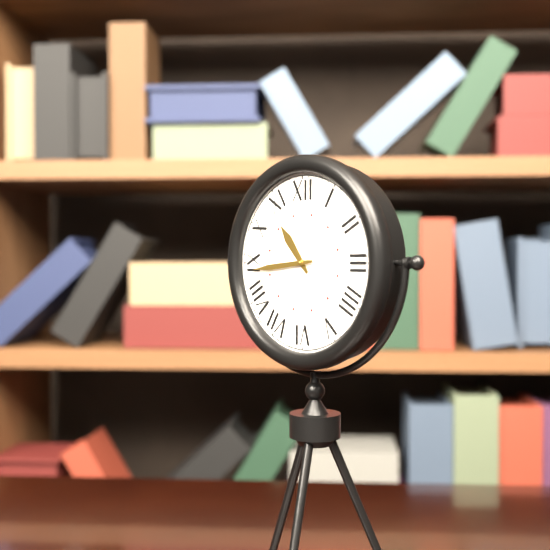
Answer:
10,44
